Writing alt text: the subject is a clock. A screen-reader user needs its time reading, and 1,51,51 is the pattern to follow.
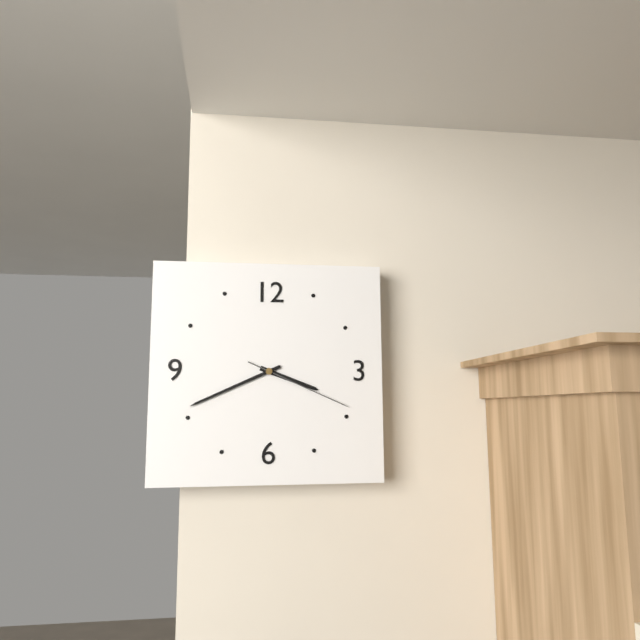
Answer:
3,41,19
